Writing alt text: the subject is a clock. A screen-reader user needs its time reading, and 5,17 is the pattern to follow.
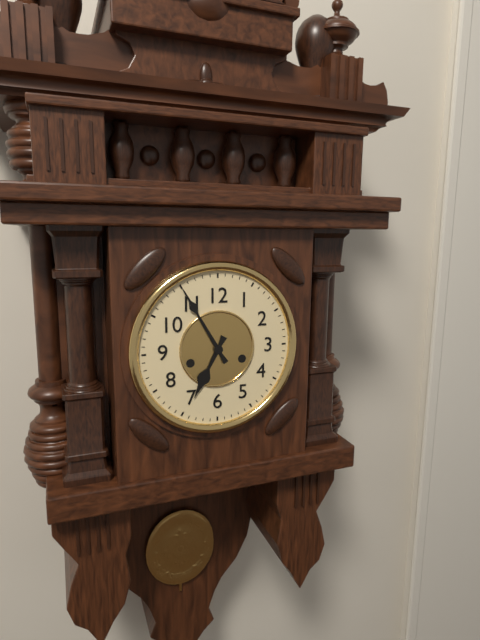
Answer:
6,55
